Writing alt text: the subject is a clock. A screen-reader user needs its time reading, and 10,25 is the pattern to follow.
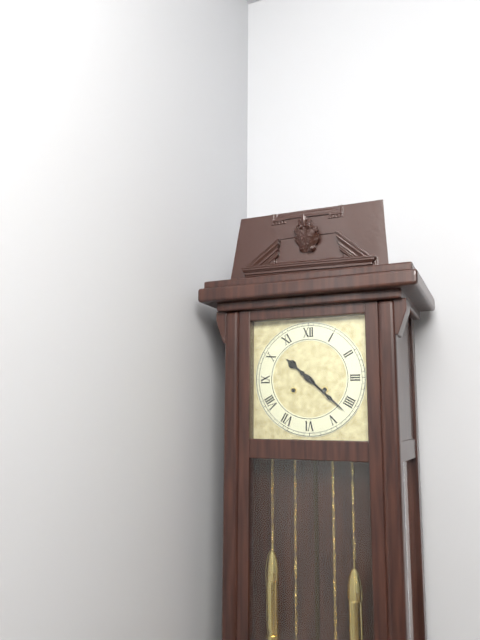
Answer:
10,22
